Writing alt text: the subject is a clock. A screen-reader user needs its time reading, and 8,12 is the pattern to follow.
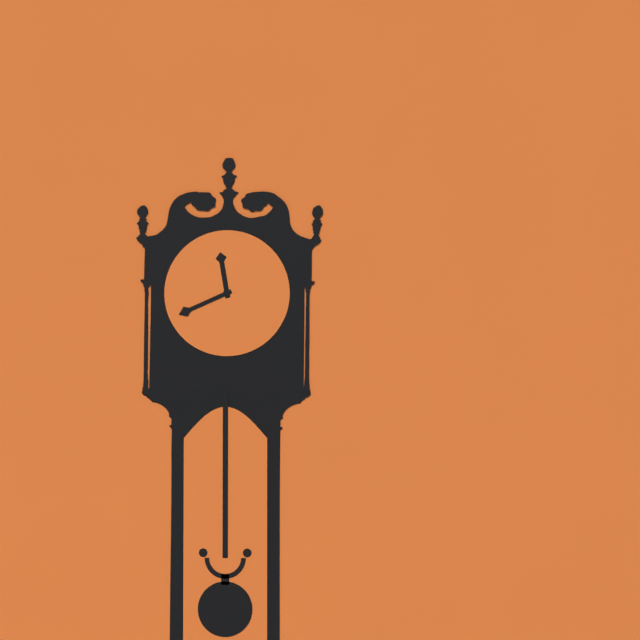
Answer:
11,41
